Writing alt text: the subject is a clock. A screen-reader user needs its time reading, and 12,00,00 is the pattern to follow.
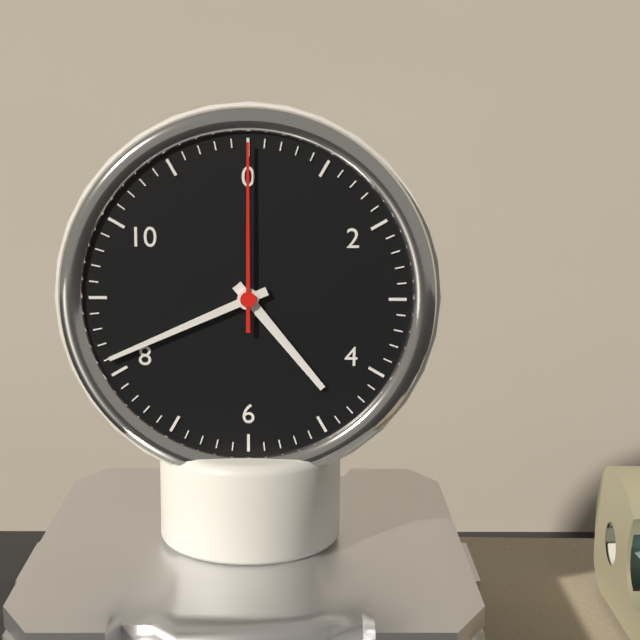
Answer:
4,41,00
